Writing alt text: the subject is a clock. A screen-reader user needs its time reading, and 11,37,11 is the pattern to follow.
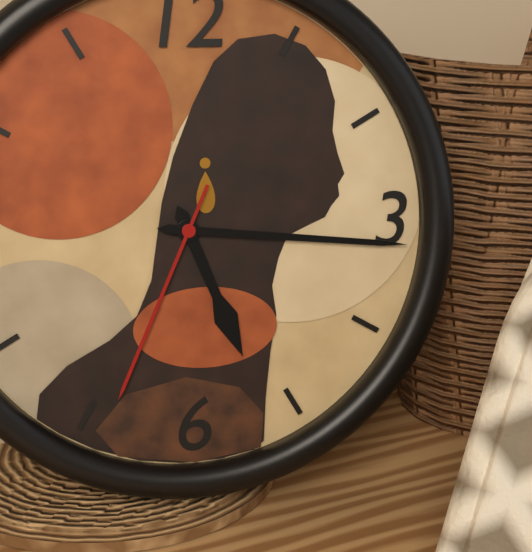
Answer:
5,16,34
